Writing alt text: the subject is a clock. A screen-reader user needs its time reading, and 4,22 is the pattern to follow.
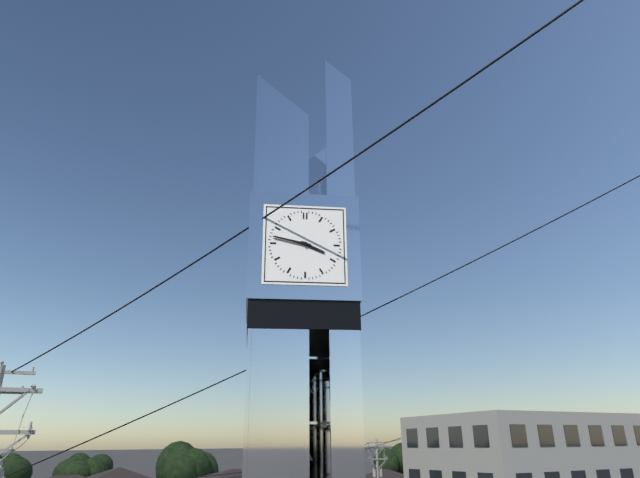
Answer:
3,47
